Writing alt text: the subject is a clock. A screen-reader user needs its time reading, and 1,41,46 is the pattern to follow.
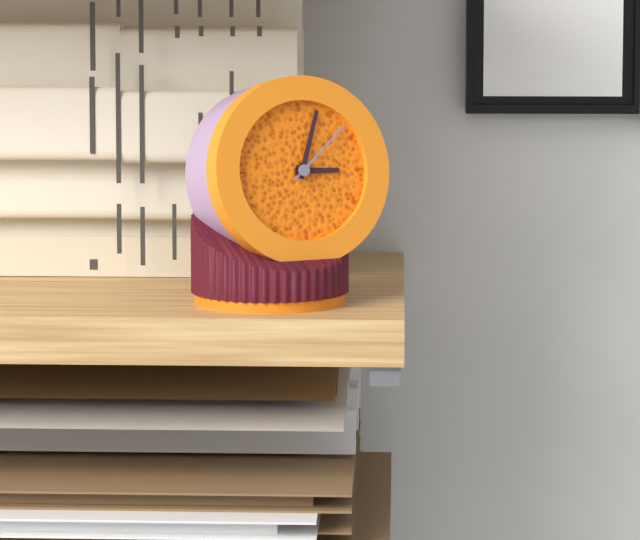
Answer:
3,03,08
